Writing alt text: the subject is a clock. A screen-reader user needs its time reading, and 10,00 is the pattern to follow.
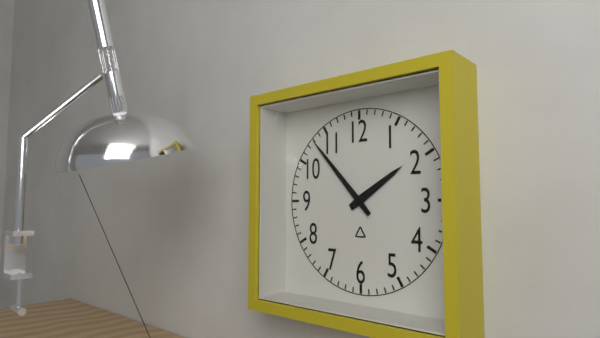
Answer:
1,53
